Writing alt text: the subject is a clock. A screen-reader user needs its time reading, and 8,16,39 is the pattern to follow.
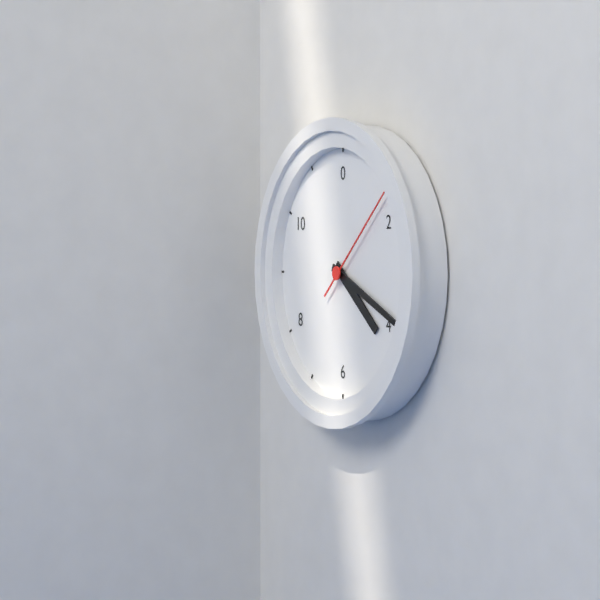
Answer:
4,19,08
